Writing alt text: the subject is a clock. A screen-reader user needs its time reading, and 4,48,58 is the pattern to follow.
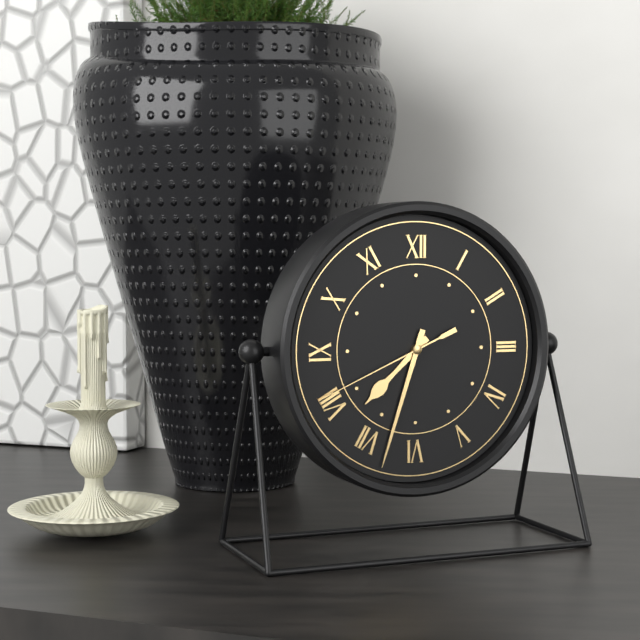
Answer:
7,33,41
